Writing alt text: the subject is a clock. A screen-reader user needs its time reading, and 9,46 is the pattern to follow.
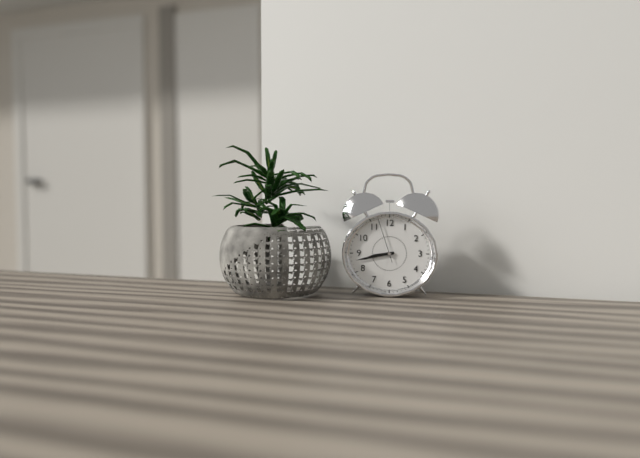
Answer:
8,43
